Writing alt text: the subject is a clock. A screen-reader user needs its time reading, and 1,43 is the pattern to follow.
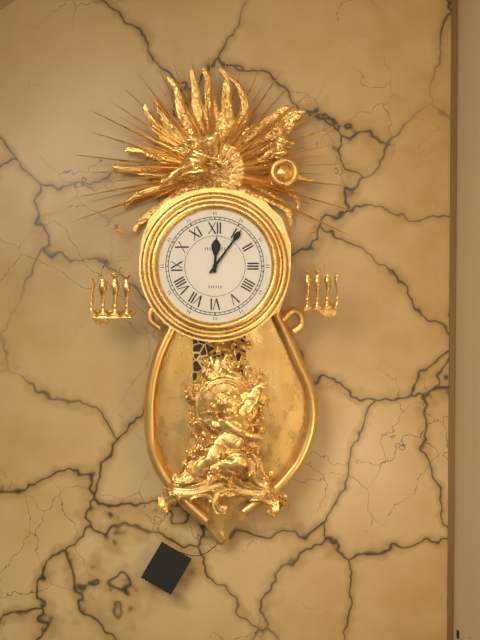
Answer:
12,06
